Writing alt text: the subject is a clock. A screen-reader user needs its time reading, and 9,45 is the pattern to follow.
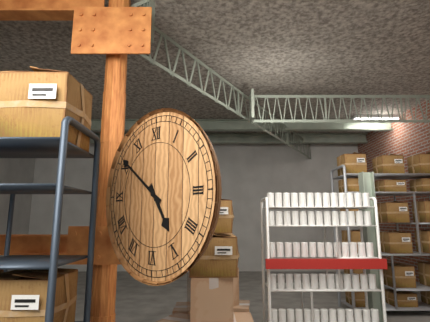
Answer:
4,51
